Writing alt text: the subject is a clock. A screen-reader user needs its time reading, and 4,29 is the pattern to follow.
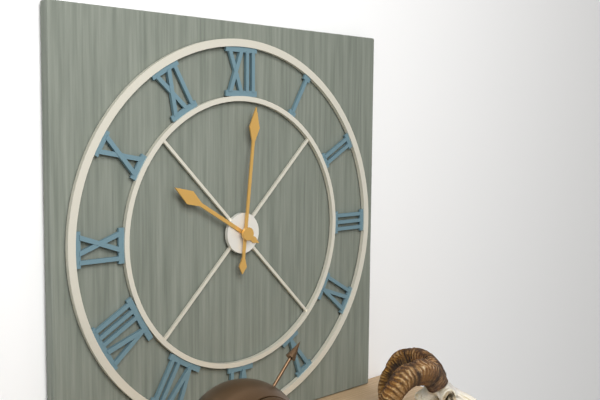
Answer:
10,01
